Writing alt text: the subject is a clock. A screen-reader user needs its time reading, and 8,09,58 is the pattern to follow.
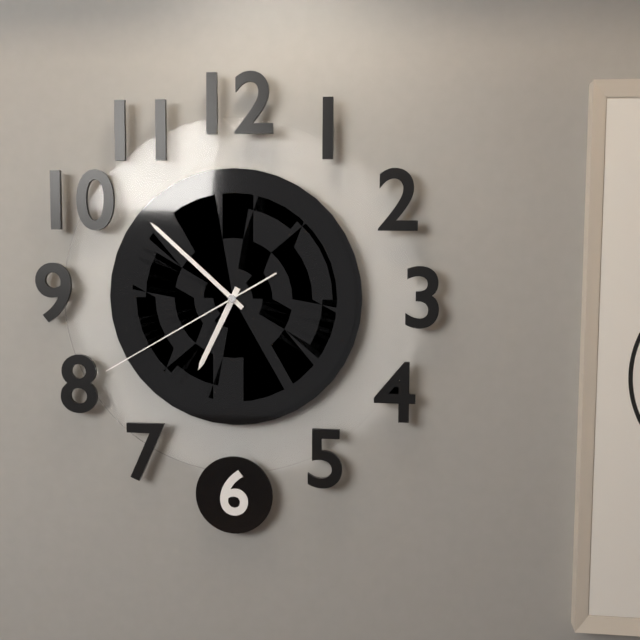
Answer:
6,52,40
